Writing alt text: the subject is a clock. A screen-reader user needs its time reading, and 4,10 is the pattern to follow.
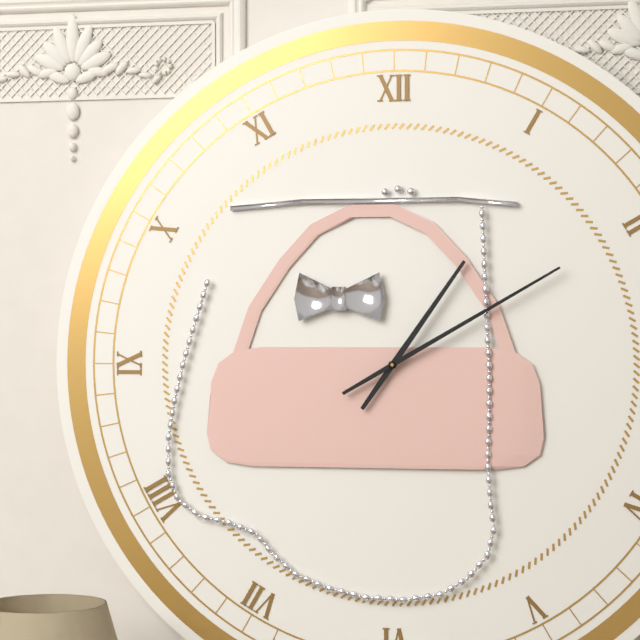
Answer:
1,10
